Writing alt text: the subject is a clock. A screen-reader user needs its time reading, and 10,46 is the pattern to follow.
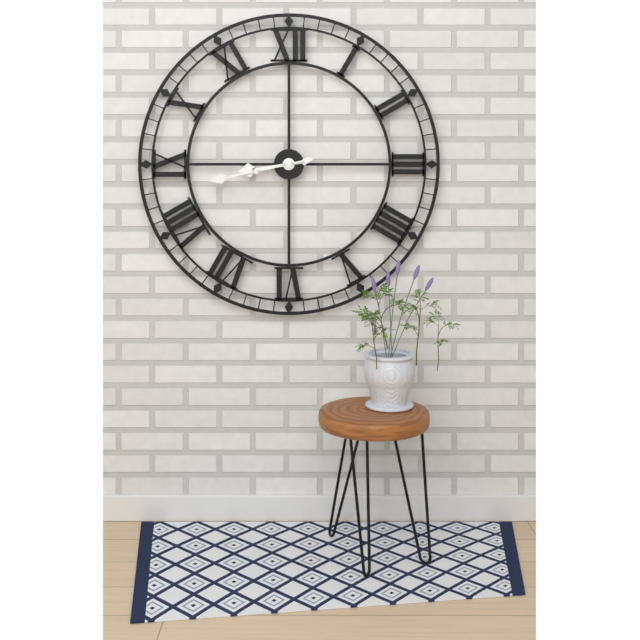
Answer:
8,43
